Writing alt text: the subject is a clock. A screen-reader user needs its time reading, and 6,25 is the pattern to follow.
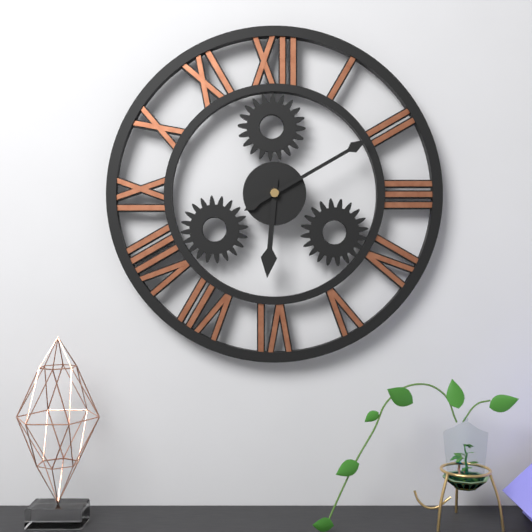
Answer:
6,10
